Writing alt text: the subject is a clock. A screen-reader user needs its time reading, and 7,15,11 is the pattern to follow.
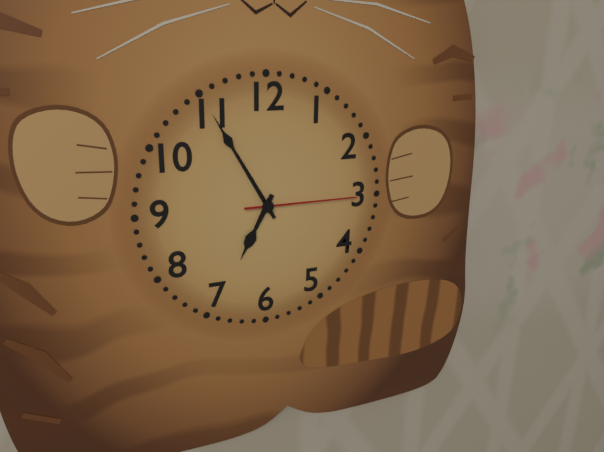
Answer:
6,55,15
